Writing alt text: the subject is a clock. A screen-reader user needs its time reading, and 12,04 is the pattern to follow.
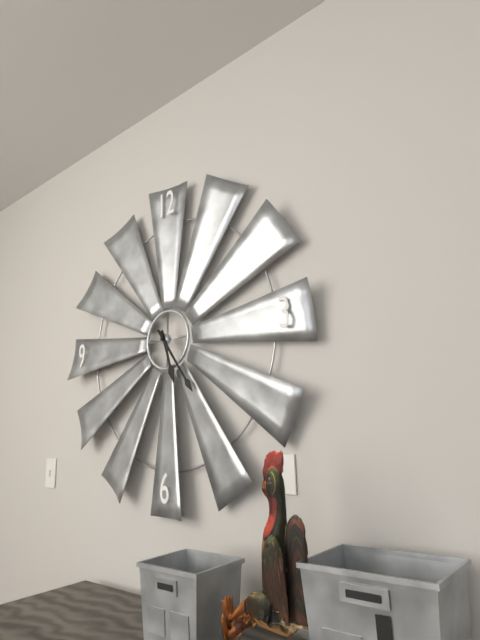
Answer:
5,24
